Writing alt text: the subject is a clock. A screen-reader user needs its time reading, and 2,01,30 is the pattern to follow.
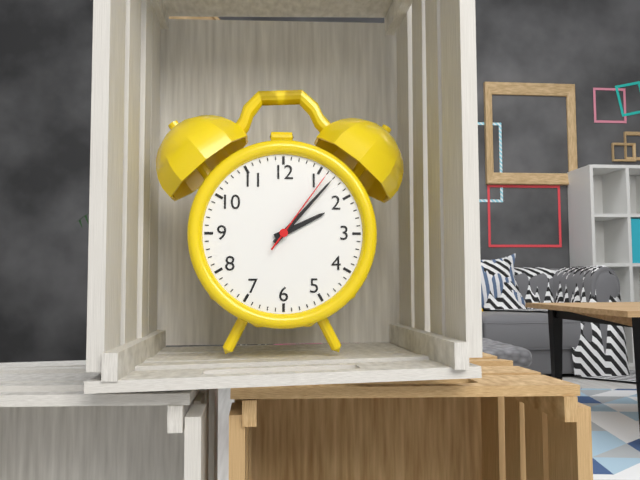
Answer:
2,07,06
